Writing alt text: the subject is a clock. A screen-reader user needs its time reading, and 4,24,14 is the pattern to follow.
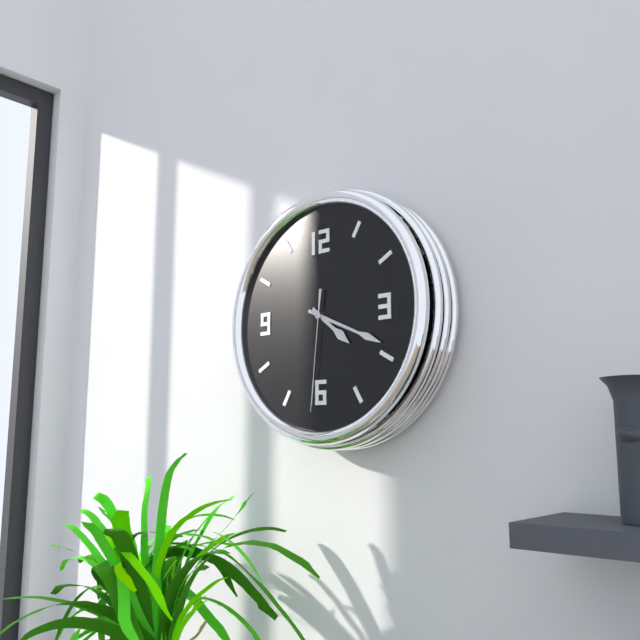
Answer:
4,19,31
